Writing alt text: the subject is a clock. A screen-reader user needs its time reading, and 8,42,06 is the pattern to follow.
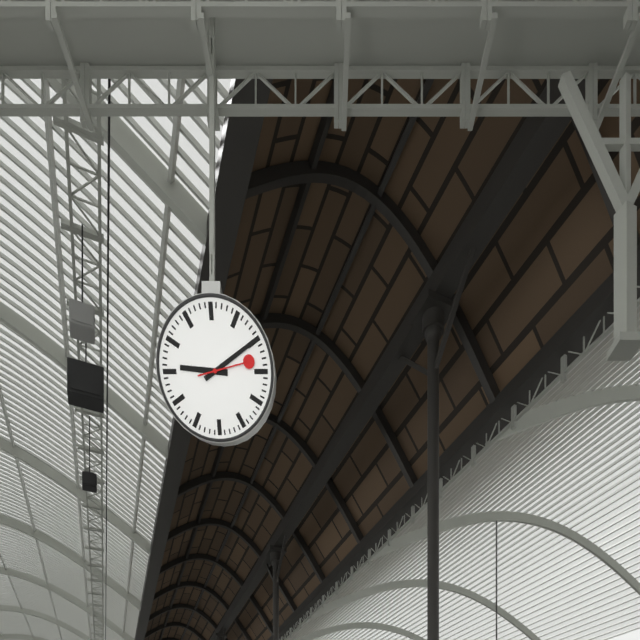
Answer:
9,10,13
